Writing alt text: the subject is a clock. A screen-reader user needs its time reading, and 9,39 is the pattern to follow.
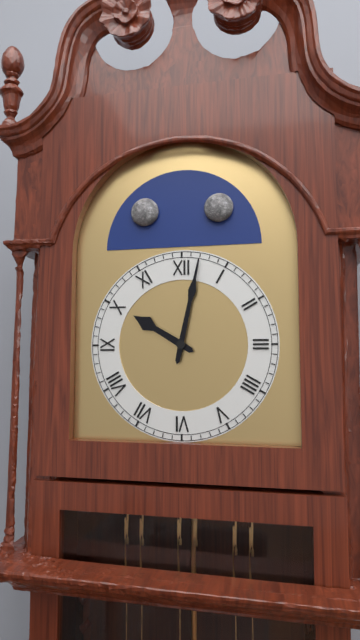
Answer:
10,02
